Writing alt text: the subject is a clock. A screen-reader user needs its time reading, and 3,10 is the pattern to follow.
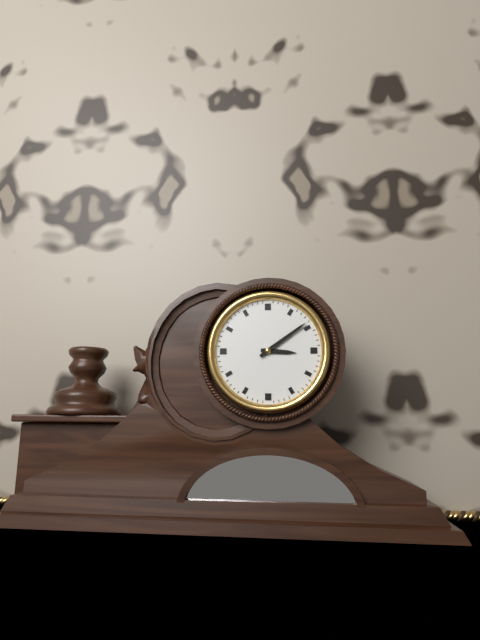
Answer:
3,09
